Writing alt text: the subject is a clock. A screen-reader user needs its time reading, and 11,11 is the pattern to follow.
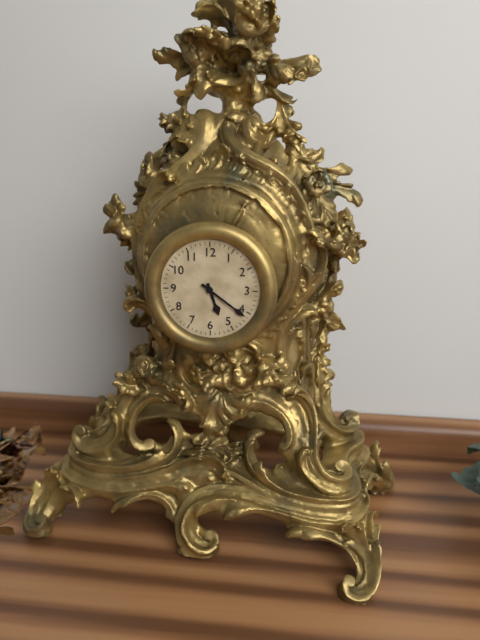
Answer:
5,21
